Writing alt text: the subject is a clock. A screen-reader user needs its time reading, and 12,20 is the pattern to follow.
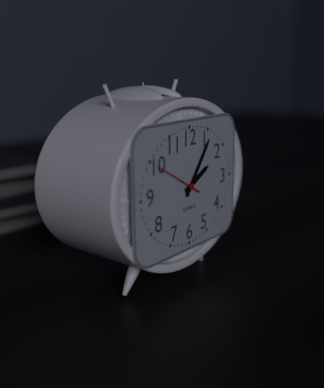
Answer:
2,06
